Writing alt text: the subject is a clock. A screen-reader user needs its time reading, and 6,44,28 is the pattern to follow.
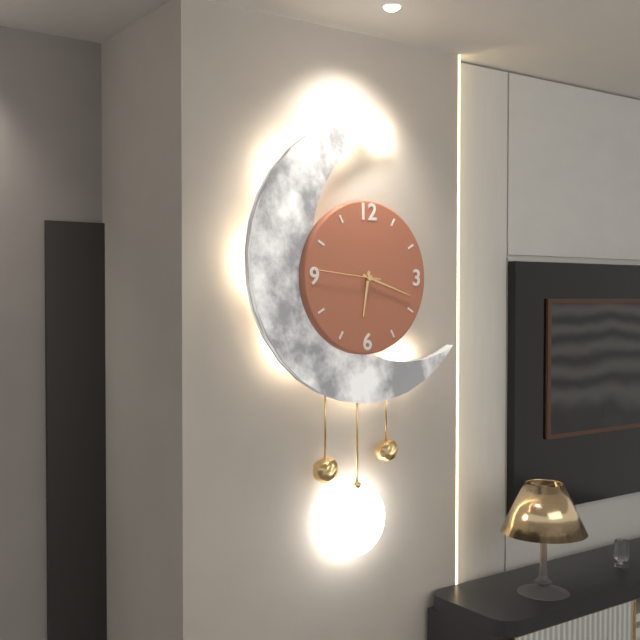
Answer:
6,18,46
